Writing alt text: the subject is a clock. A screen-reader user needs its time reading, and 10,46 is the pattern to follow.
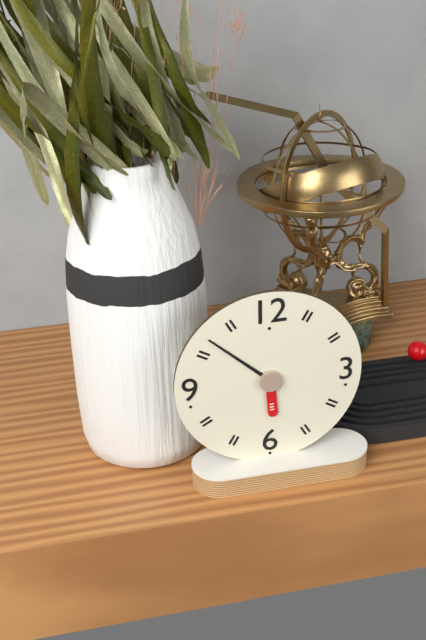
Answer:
5,52
